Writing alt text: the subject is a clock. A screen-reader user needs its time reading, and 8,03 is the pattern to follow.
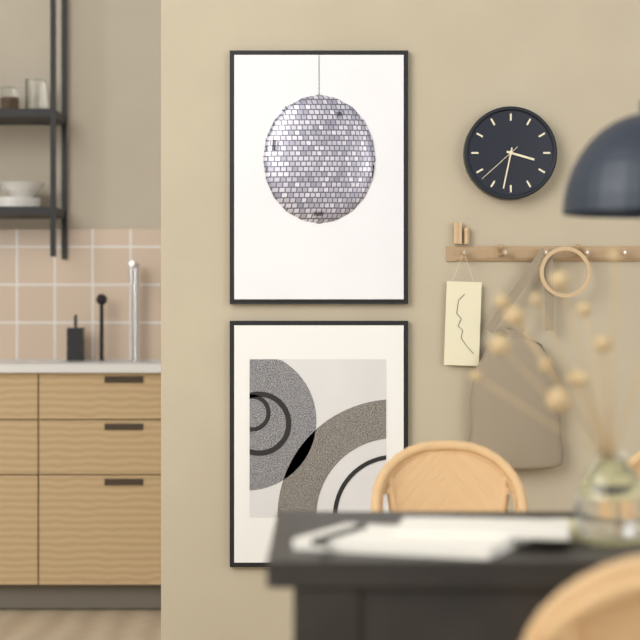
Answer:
3,32
